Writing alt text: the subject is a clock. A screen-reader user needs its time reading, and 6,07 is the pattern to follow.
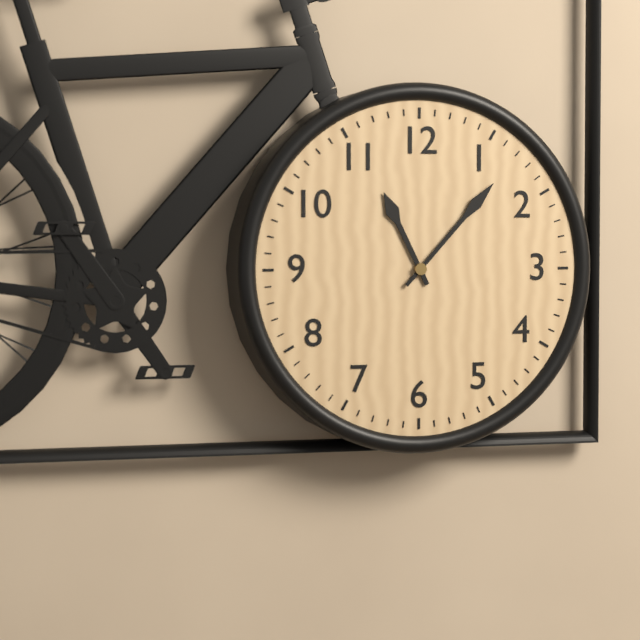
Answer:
11,07
